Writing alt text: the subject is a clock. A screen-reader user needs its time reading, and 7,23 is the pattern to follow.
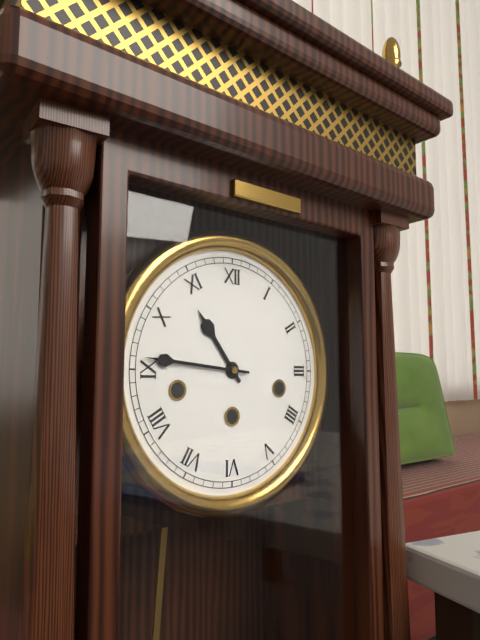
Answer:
10,46
